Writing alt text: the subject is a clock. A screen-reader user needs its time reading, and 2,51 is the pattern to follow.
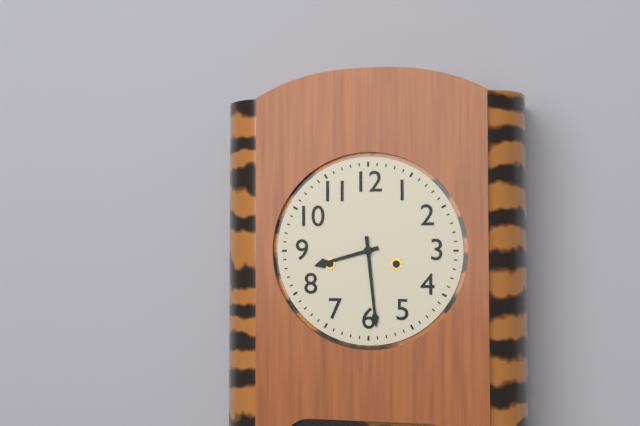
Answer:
8,29
